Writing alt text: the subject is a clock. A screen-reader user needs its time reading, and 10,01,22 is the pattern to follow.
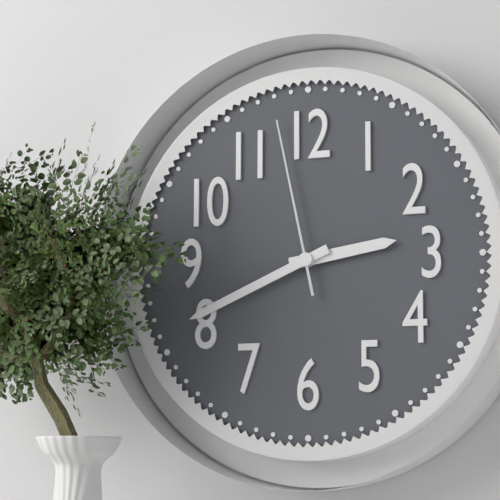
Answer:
2,41,58
